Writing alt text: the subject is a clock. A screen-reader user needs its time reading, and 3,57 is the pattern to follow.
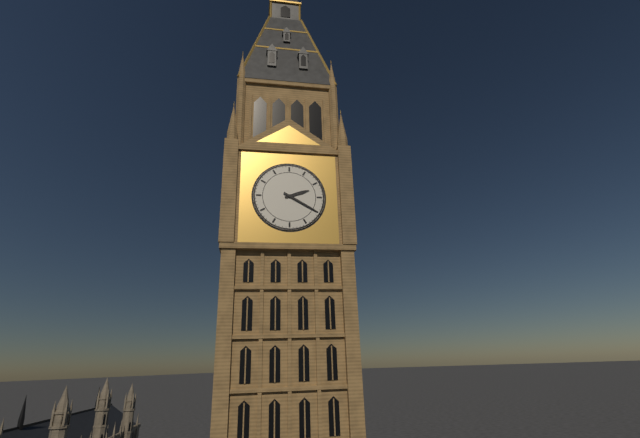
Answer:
2,20
